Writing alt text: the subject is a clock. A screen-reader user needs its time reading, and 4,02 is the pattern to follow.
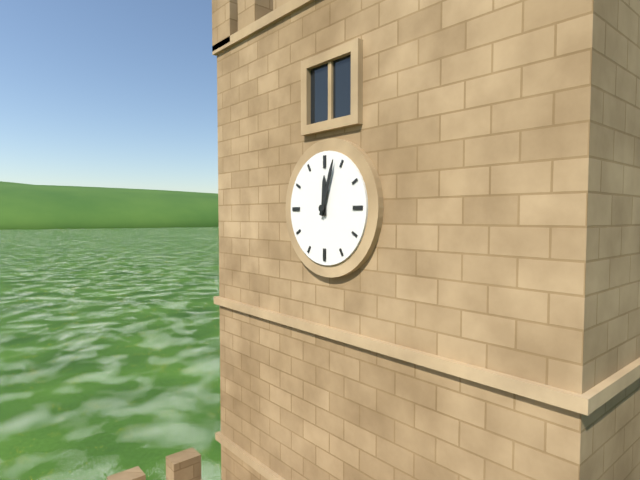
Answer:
12,03
